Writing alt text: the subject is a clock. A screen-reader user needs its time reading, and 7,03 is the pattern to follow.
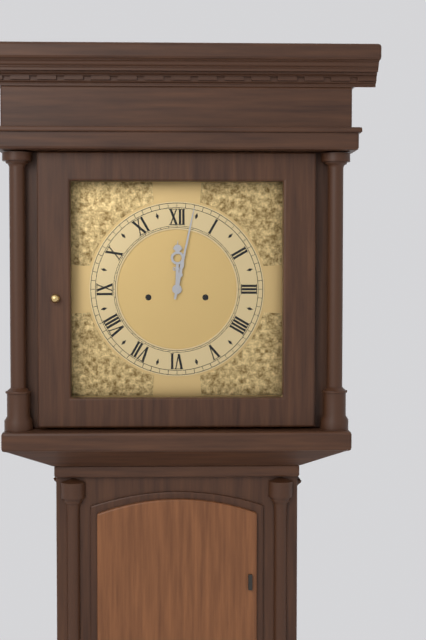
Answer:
12,02
